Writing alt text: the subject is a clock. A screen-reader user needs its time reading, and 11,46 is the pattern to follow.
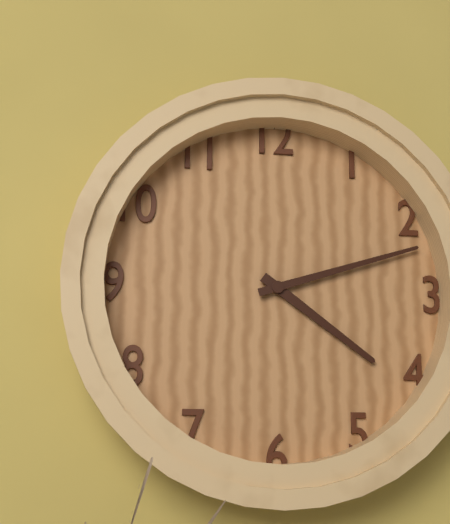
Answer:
4,12
